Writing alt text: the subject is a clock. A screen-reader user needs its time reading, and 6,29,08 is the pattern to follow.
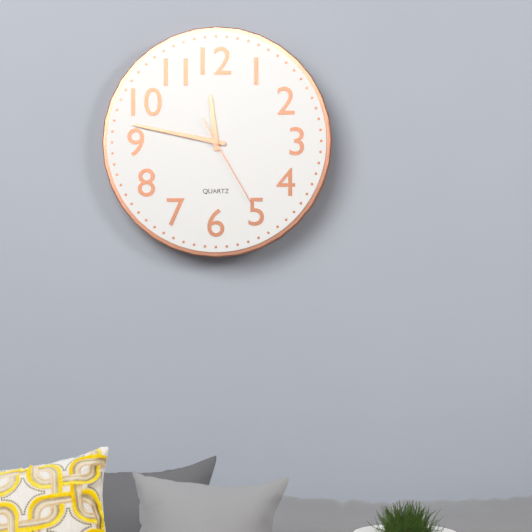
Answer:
11,47,25
